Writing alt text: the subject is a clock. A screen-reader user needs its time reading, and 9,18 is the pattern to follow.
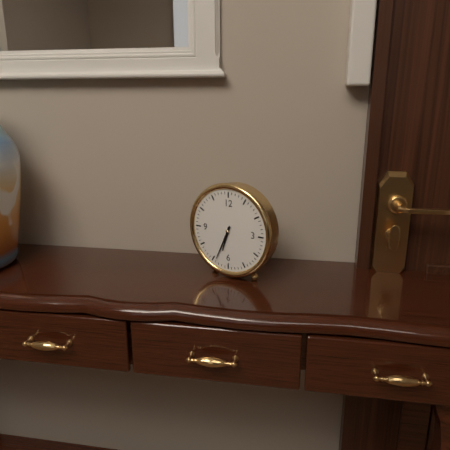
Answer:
6,34
